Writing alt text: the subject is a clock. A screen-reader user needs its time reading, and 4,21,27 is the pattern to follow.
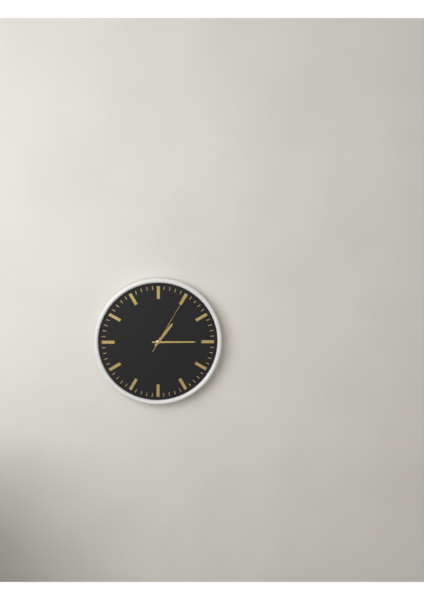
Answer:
1,15,05
